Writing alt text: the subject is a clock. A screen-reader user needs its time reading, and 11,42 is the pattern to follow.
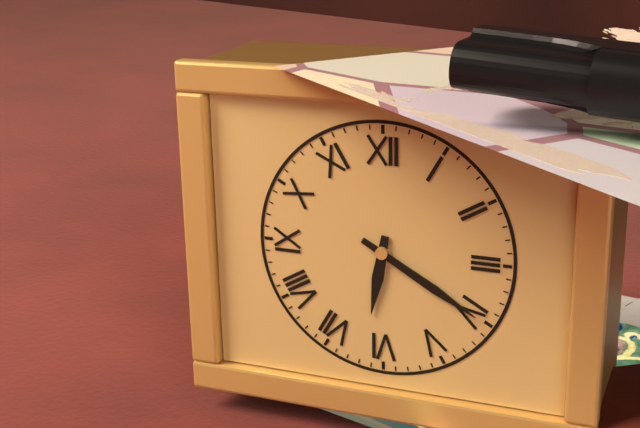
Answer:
6,20
